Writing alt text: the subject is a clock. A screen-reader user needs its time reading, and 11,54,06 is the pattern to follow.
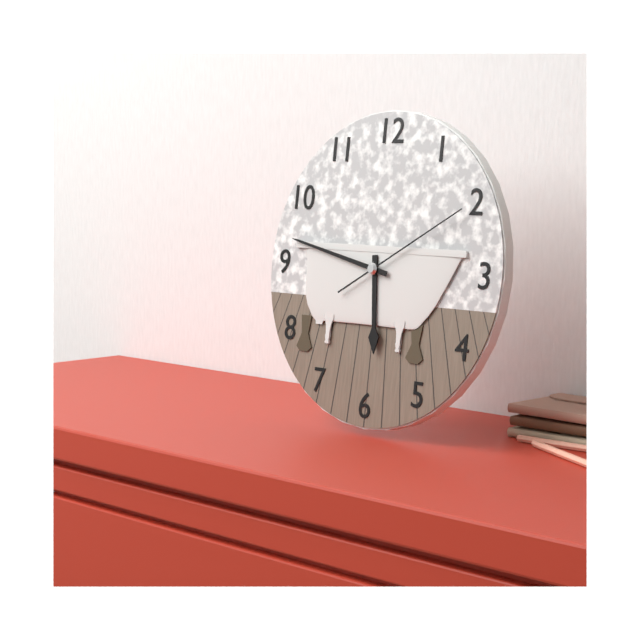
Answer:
5,47,10
